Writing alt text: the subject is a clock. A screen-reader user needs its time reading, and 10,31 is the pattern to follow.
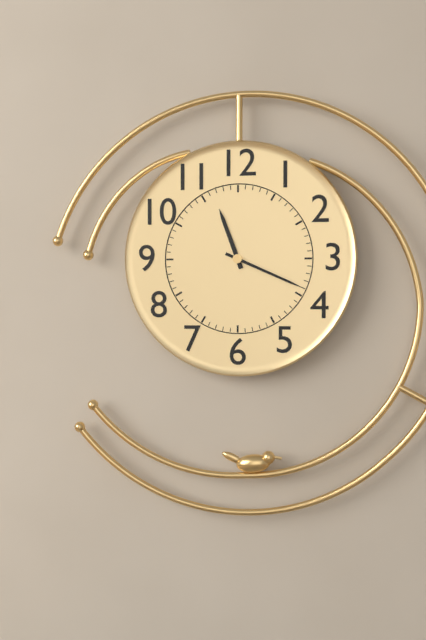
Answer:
11,19
